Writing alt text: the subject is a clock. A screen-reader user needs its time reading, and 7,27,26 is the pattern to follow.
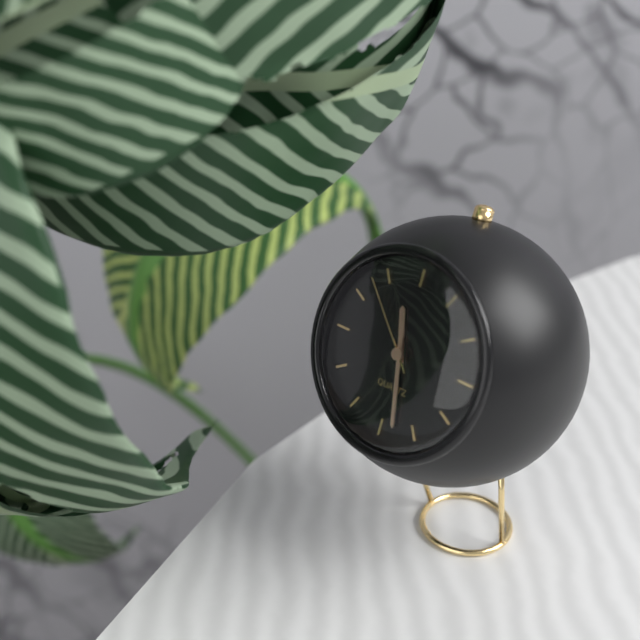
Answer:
11,28,53
